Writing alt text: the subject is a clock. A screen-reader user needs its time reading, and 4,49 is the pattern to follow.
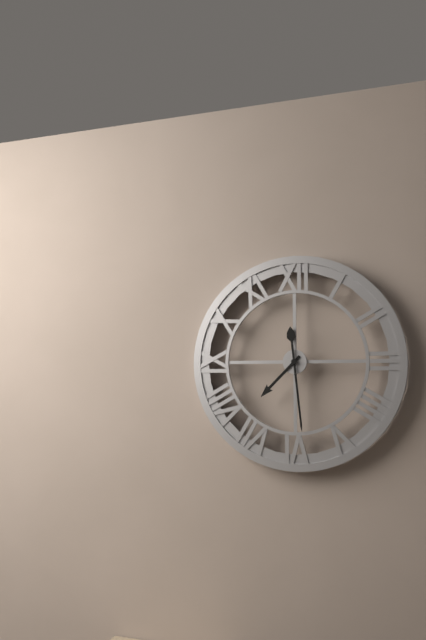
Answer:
7,29
